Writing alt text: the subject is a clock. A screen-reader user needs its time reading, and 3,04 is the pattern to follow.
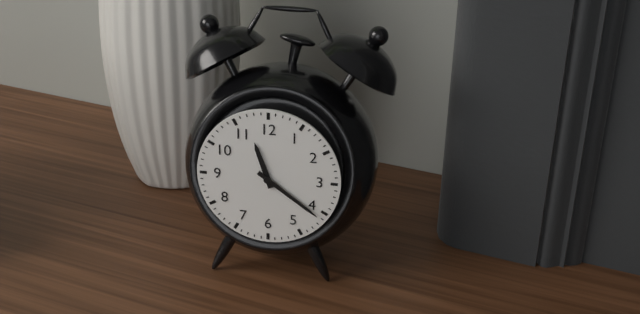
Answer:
11,21
